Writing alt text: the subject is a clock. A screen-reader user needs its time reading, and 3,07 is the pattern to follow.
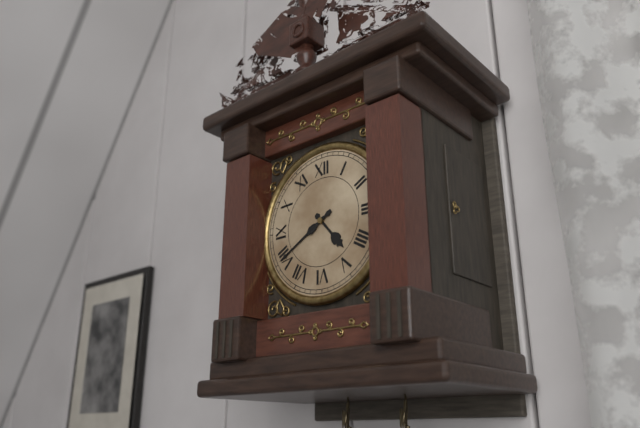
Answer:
4,40
